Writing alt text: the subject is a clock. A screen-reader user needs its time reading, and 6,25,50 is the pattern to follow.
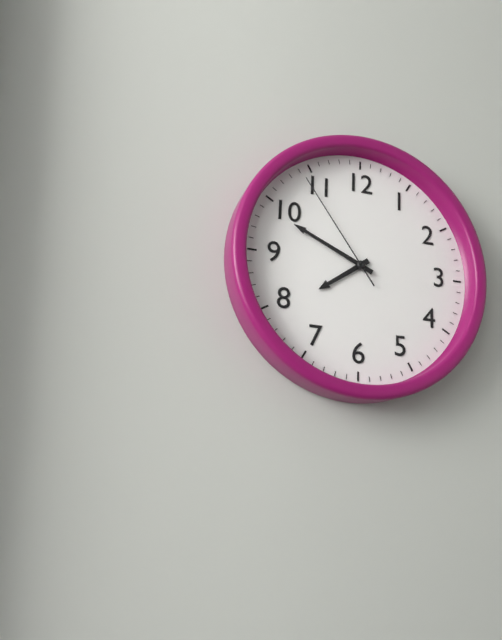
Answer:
7,49,54
